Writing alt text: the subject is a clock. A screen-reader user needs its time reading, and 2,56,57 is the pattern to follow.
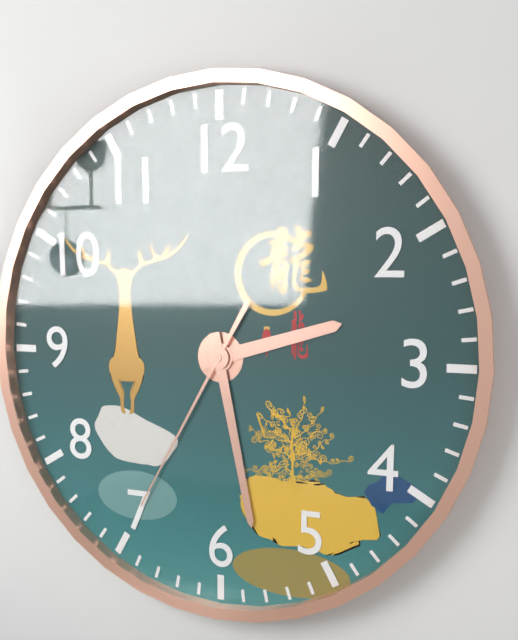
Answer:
2,28,35
